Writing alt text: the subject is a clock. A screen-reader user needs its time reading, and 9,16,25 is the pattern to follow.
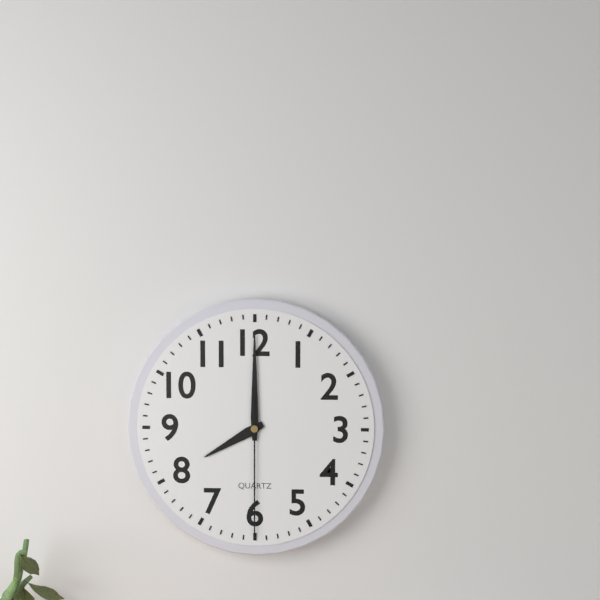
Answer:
8,00,30
